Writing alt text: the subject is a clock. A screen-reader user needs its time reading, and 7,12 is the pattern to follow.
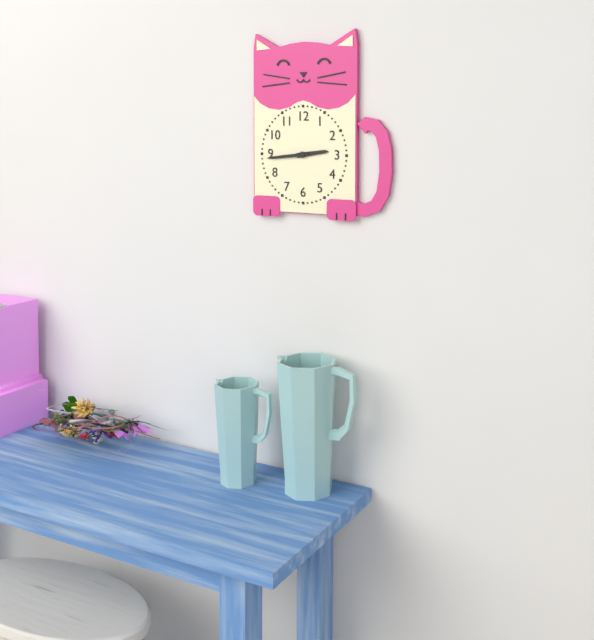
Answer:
2,44
